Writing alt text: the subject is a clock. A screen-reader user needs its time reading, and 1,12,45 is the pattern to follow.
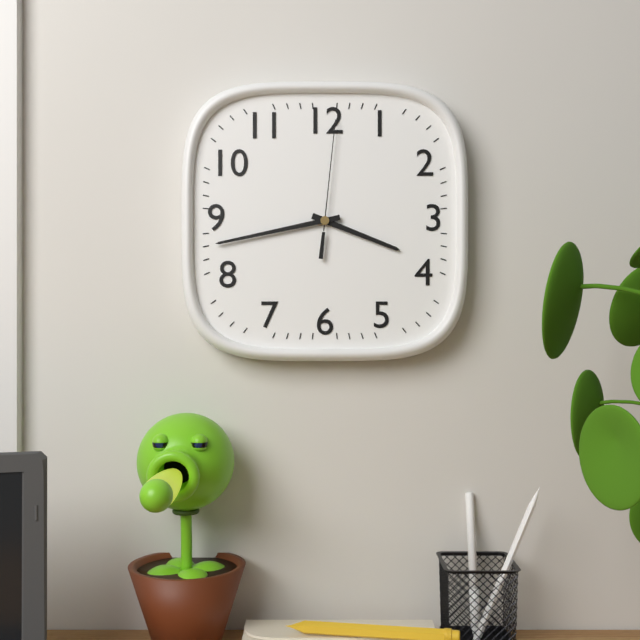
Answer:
3,43,01
